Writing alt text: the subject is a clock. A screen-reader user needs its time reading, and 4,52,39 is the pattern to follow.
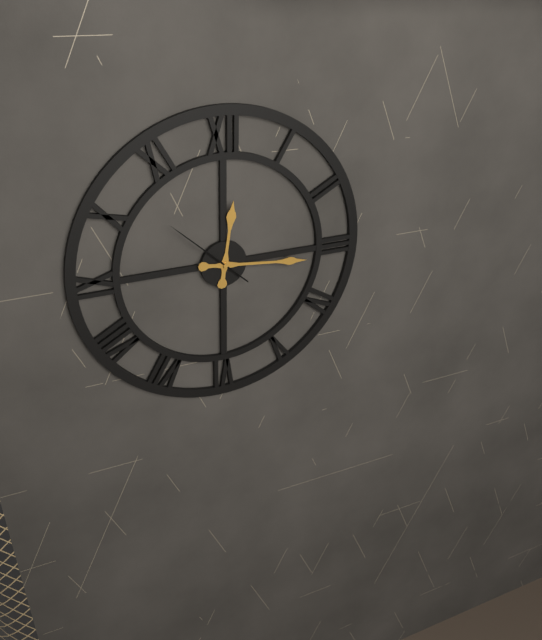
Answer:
12,16,52
